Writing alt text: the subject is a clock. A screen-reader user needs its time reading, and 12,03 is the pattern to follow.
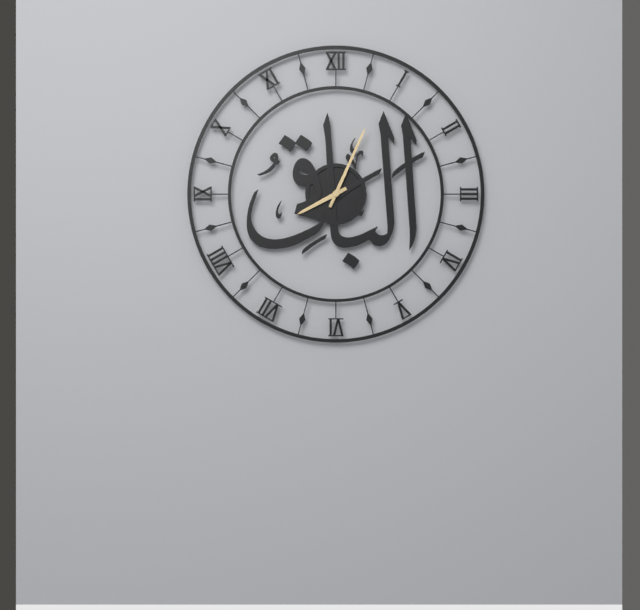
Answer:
8,04
